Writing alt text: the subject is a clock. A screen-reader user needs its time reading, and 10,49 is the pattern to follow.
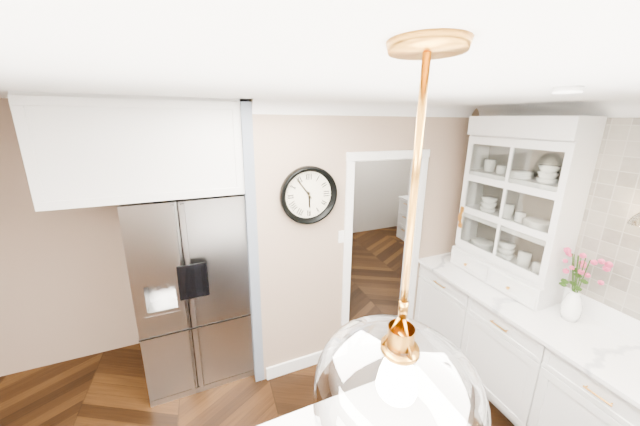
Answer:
5,54
